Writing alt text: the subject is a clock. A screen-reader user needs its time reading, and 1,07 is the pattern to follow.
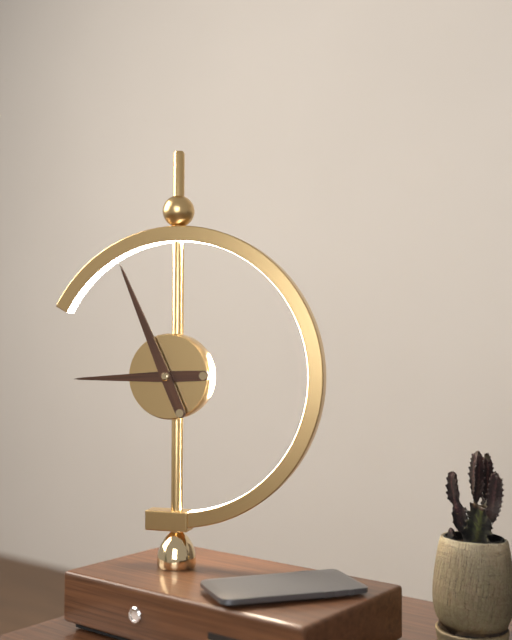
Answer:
8,56
